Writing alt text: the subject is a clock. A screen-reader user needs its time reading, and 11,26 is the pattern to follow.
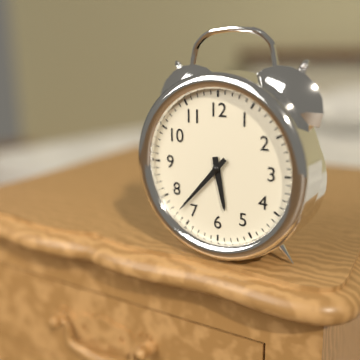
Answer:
5,37
